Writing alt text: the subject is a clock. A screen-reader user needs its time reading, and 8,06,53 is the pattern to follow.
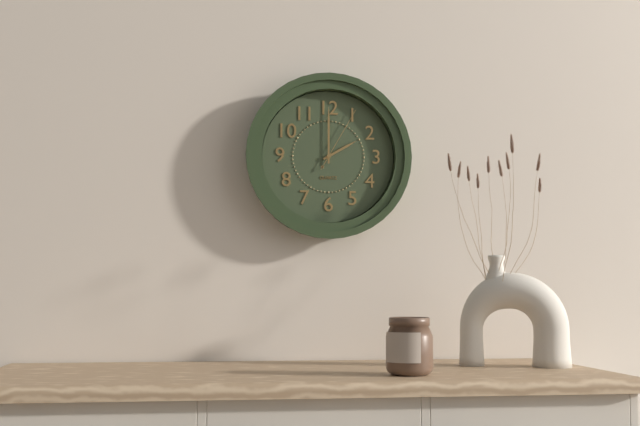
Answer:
2,00,05
